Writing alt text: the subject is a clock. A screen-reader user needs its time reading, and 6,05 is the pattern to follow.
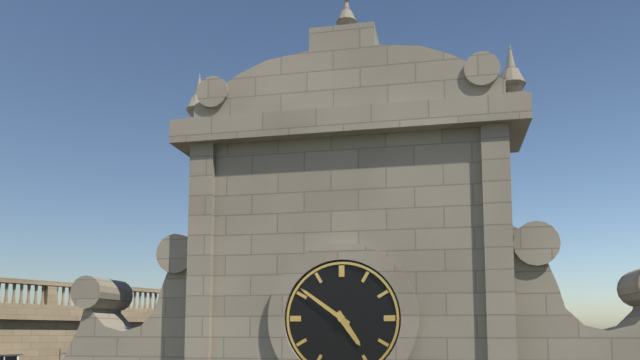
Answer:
4,51
